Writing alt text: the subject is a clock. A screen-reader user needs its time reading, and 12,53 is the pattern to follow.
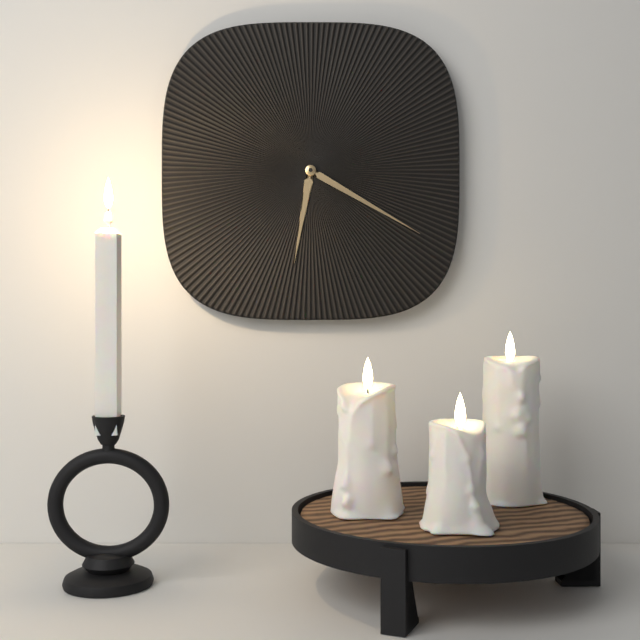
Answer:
6,20
